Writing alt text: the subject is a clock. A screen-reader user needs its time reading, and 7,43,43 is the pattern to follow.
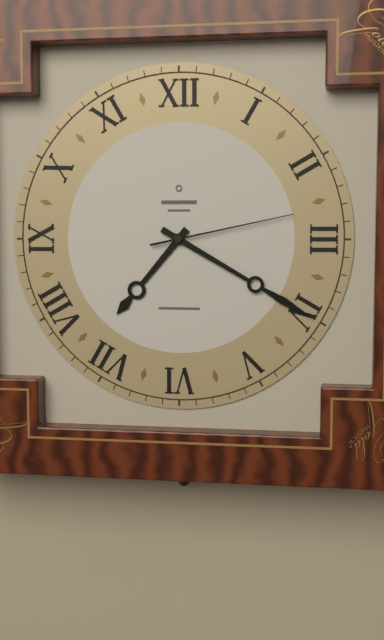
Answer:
7,20,13
